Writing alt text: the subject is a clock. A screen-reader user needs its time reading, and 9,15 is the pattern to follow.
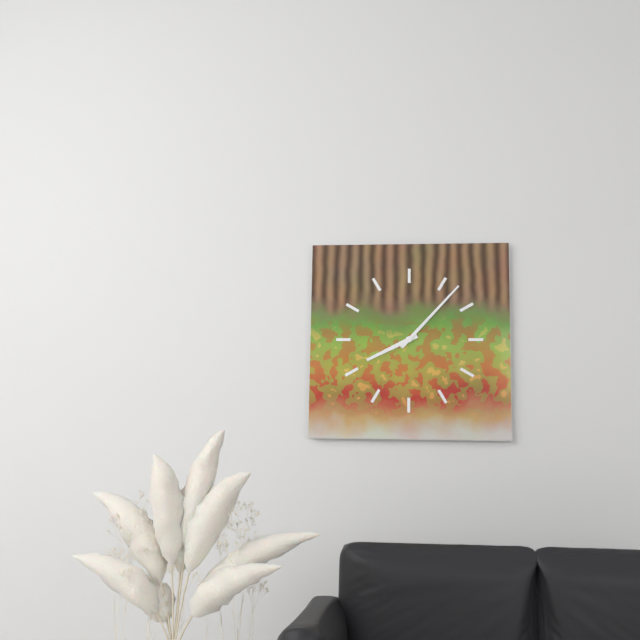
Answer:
8,07
